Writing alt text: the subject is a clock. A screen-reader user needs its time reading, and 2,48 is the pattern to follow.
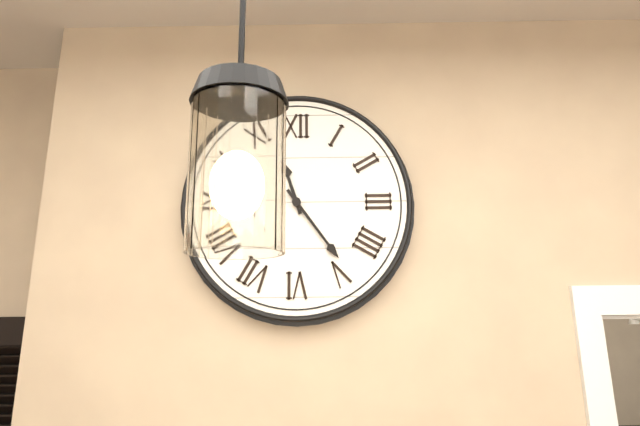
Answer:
11,24
